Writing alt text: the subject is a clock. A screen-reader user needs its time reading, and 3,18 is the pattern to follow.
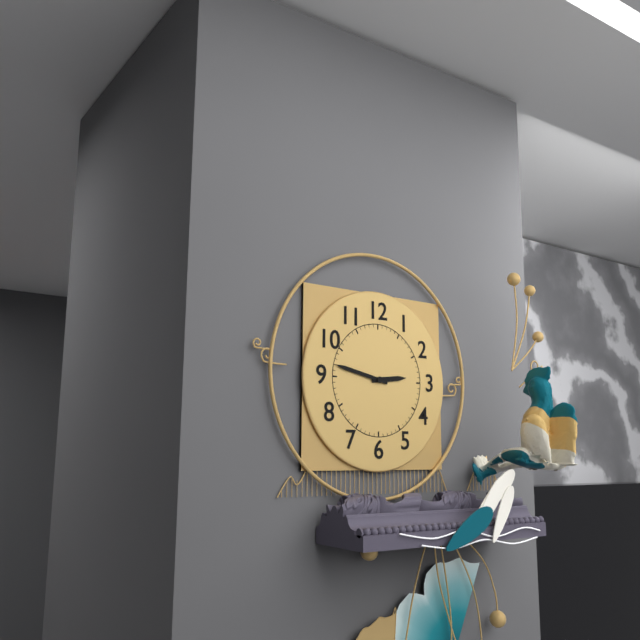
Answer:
2,47
